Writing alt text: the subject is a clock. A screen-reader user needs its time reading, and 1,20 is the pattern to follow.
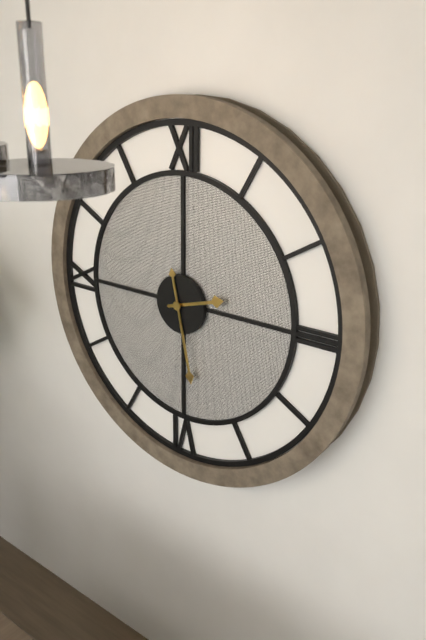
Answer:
2,28
